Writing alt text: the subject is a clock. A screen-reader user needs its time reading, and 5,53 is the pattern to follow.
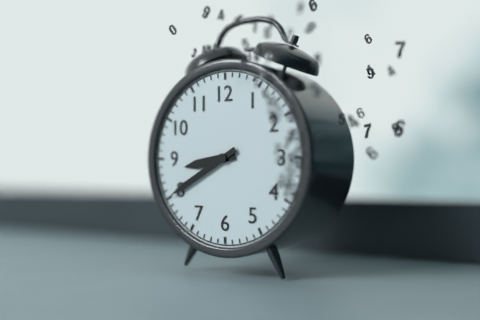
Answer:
8,40
